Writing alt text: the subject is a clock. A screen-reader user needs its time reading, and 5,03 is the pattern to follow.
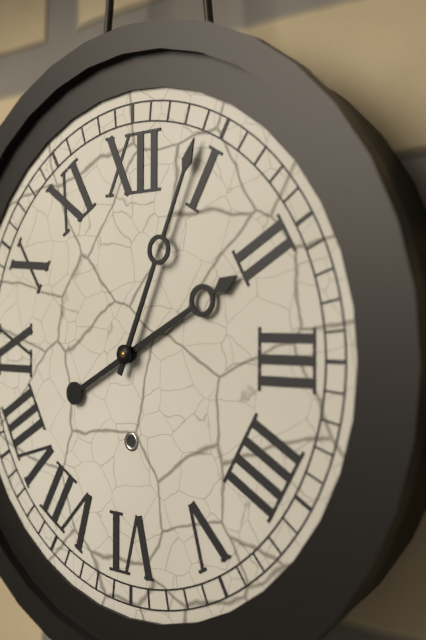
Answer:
2,04
